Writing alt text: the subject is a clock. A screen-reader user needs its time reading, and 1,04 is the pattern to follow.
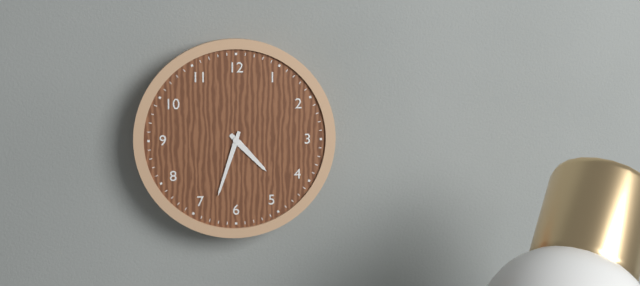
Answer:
4,33
